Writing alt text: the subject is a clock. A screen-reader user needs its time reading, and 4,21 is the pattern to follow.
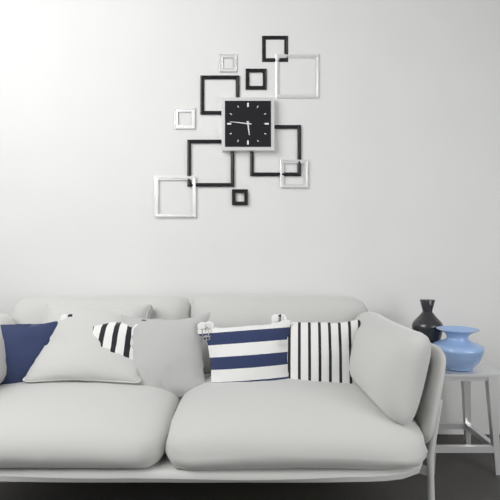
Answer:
5,46
